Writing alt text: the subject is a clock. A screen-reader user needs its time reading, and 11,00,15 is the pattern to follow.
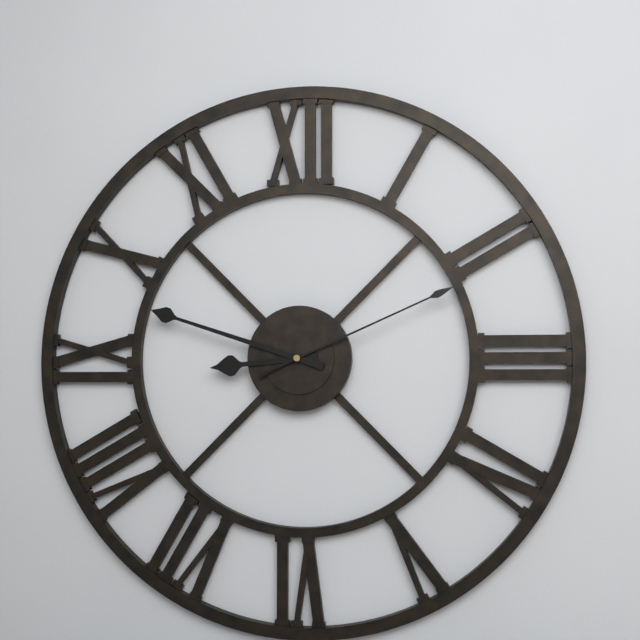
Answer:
8,48,11
